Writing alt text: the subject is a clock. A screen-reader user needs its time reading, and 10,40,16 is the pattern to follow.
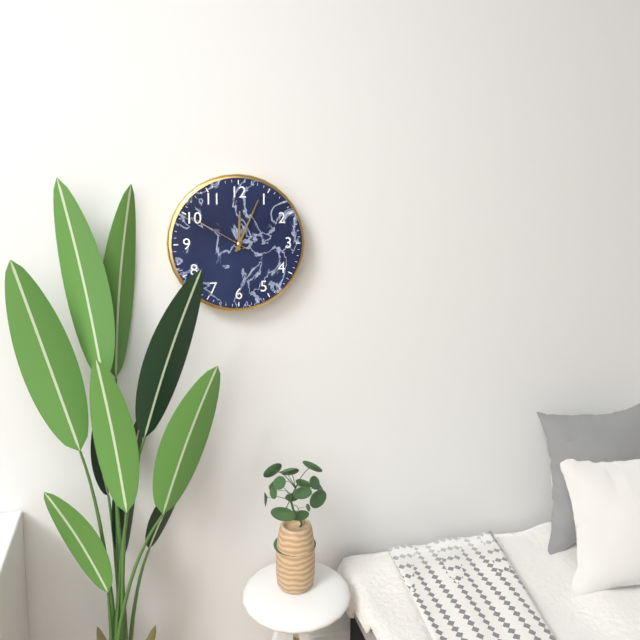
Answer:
12,04,50
